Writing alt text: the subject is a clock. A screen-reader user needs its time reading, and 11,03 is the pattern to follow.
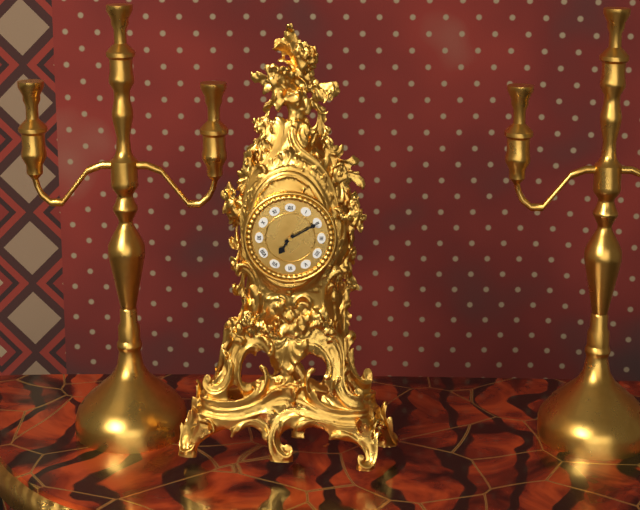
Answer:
7,10
